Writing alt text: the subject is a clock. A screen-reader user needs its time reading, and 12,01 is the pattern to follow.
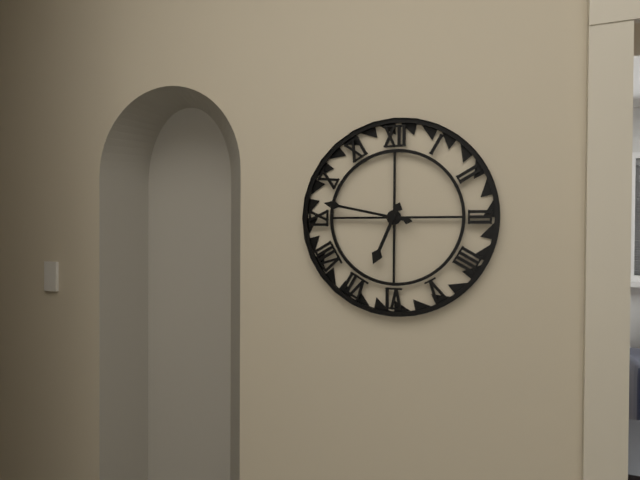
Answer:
6,47
